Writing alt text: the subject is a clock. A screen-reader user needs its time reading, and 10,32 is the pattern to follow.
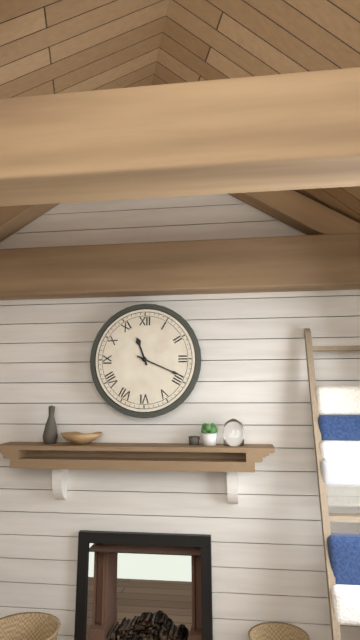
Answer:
11,19
